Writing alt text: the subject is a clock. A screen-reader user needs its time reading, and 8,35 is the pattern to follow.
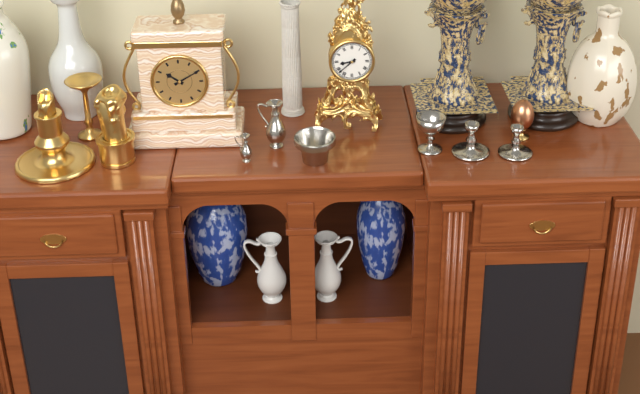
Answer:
8,38
